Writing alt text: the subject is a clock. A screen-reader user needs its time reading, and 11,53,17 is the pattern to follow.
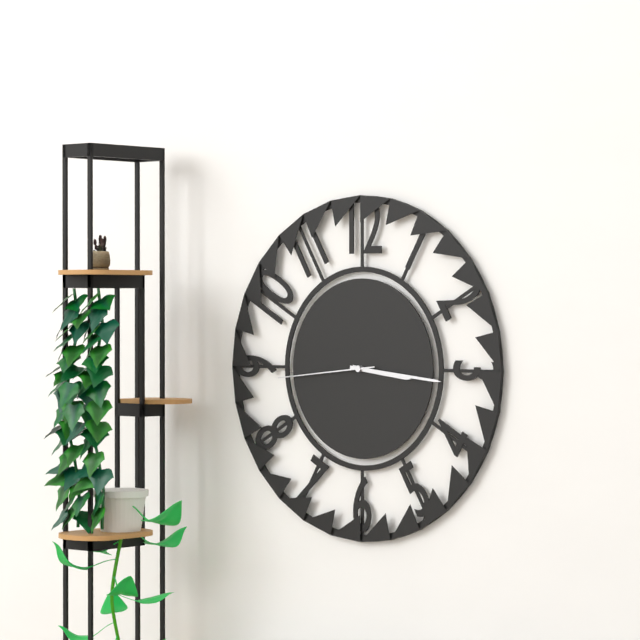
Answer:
3,16,44
